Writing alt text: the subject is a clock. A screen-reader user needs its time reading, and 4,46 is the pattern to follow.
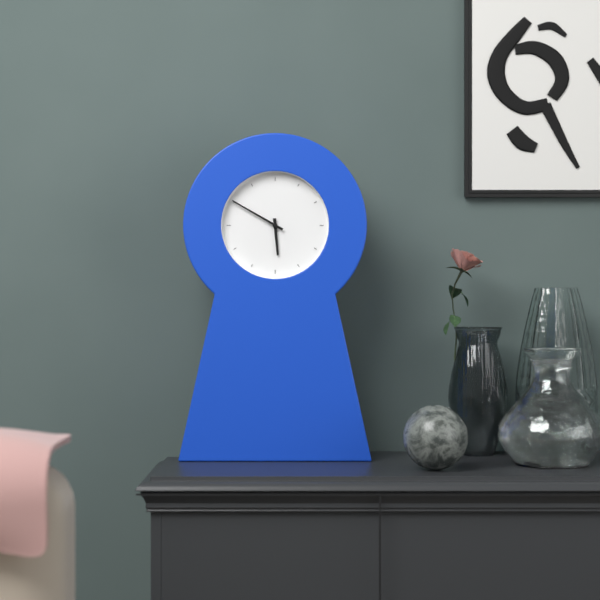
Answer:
5,50
